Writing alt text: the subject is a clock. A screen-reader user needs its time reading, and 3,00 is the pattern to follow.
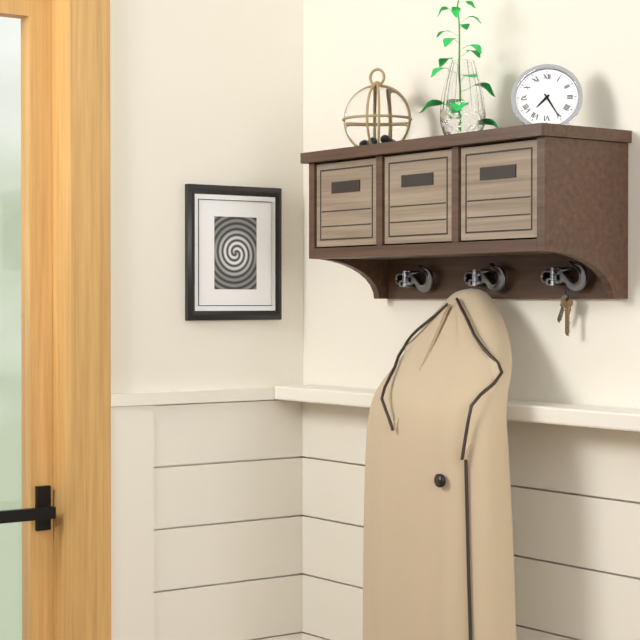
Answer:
7,25
